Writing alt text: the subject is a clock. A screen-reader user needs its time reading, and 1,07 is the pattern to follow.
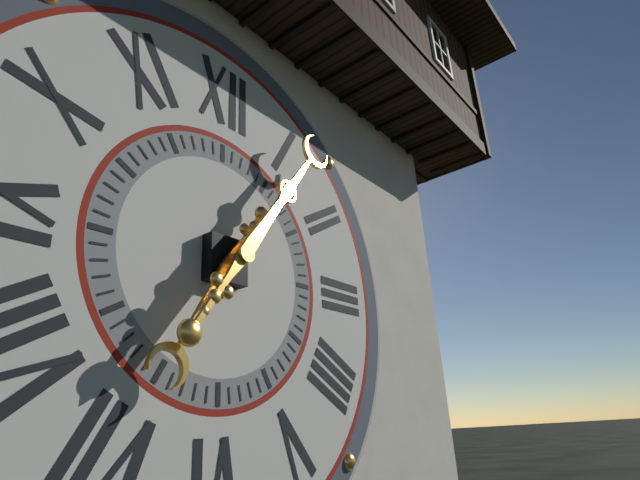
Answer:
7,06
